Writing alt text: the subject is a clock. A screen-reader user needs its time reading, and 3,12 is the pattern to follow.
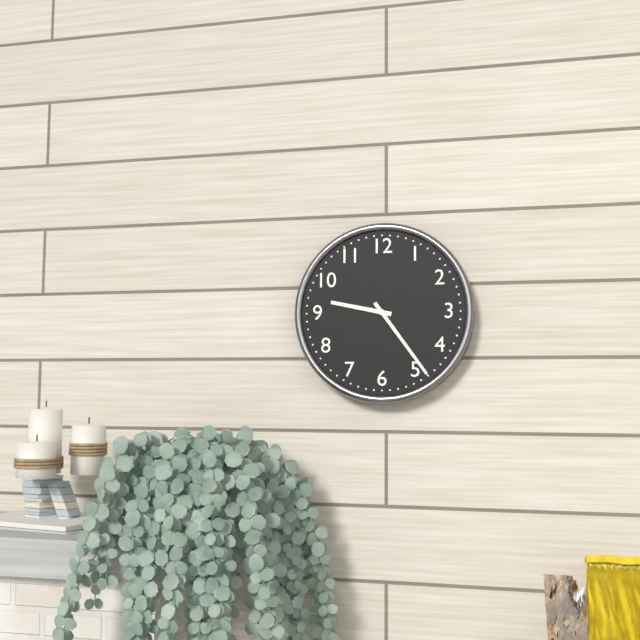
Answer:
9,24
